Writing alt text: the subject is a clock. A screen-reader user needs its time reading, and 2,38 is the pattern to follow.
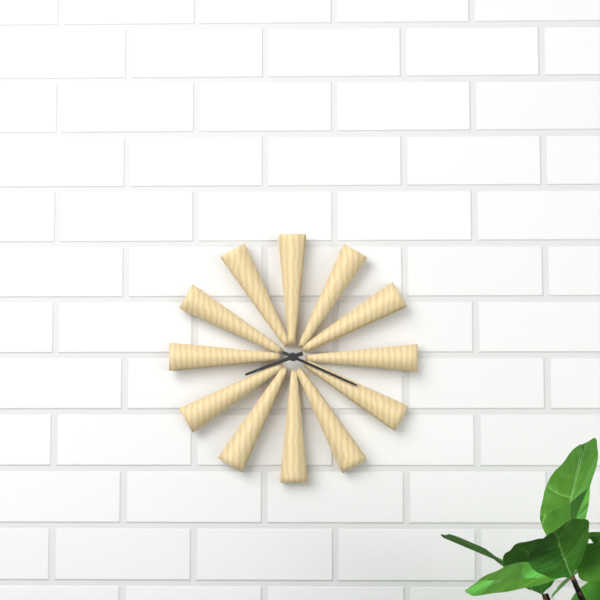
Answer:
8,19
